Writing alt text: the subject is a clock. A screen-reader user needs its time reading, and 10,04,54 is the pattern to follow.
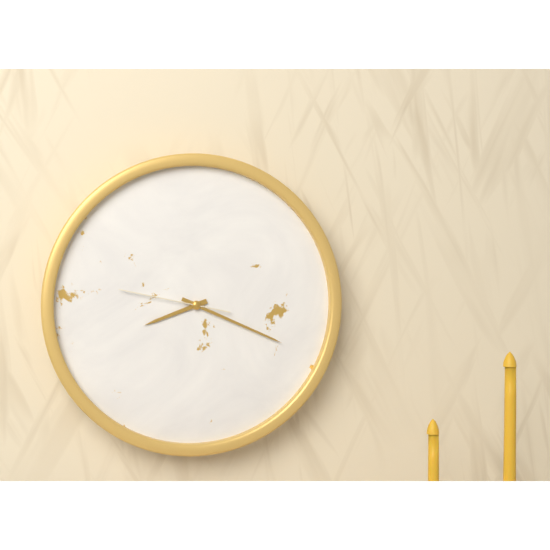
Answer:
8,19,47
